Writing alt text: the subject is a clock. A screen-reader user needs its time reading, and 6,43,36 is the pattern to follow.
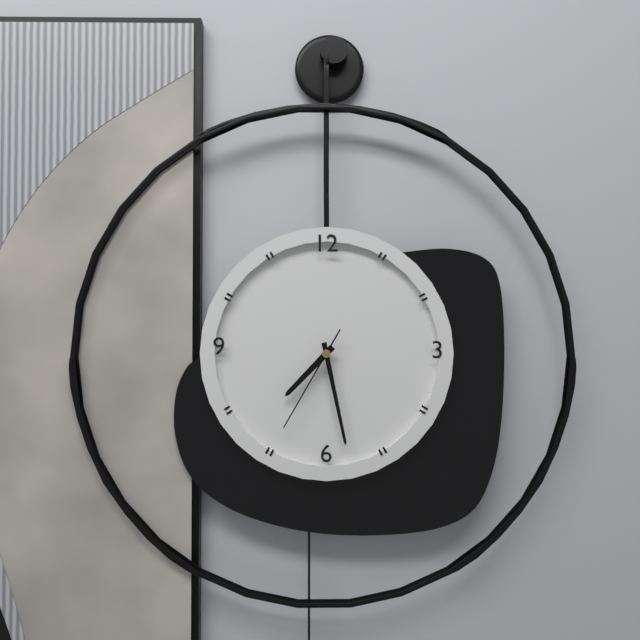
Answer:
7,28,35
